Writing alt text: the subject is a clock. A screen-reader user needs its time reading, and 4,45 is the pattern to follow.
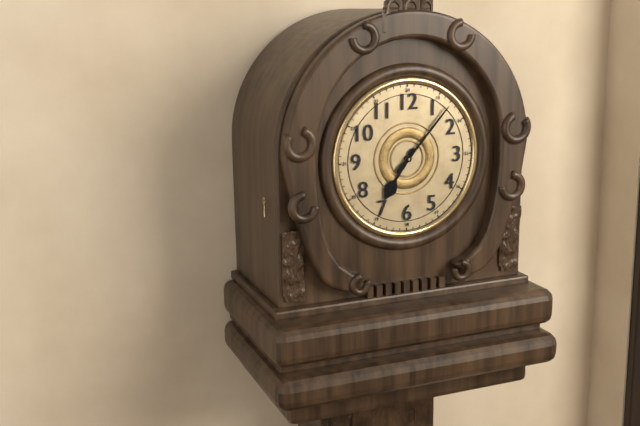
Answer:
7,07
